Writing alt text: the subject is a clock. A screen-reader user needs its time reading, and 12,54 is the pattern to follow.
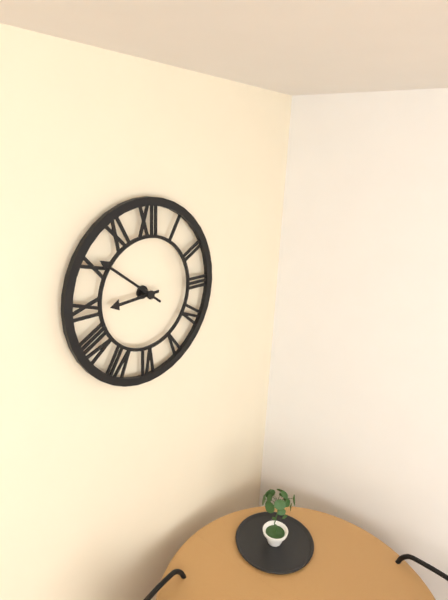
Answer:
8,51
